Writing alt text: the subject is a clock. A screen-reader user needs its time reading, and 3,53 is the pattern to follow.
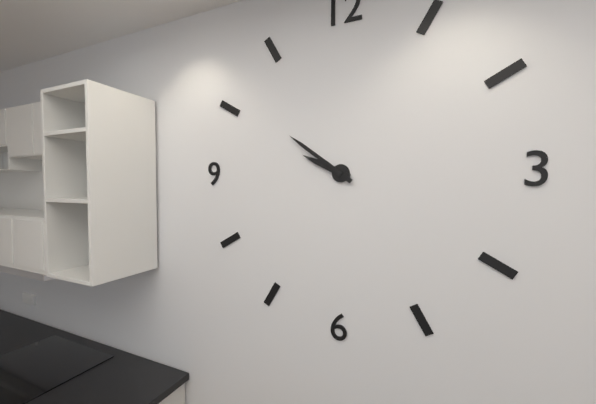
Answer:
9,51
